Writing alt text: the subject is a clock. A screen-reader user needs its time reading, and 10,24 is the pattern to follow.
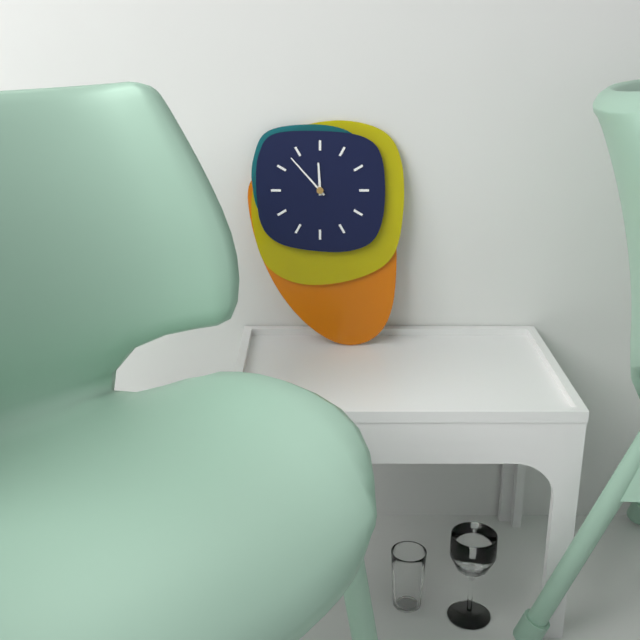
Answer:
11,53
